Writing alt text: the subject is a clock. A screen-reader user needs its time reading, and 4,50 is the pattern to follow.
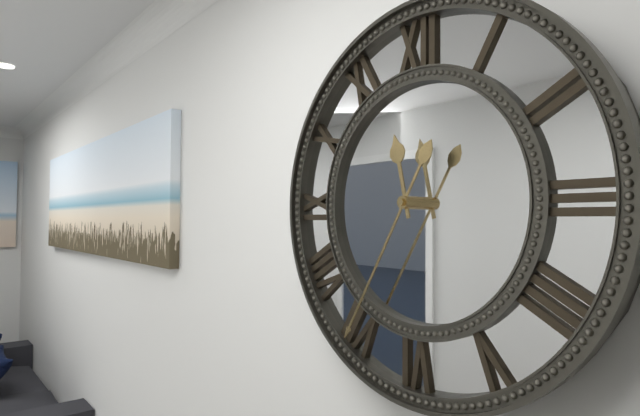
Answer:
11,35
